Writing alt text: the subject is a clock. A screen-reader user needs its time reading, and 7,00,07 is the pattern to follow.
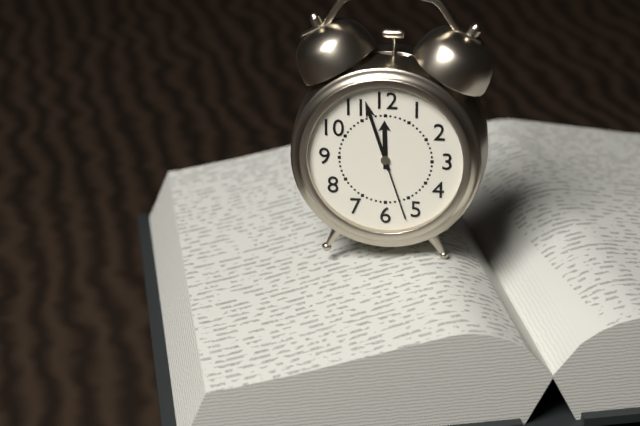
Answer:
11,57,27
